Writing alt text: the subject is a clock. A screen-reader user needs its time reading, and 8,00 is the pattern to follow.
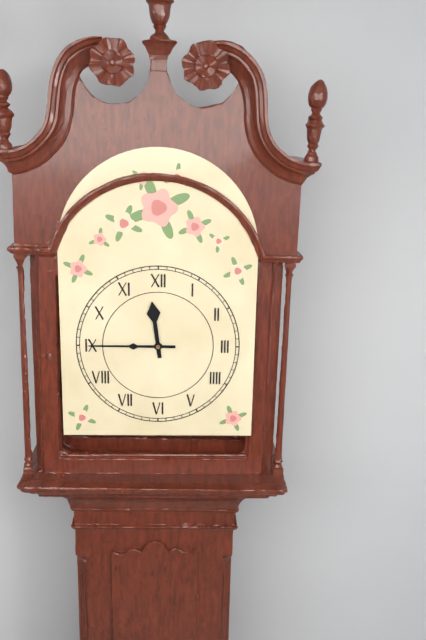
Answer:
11,45
